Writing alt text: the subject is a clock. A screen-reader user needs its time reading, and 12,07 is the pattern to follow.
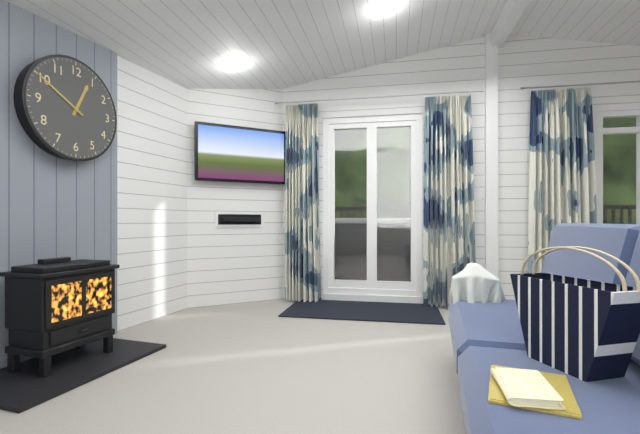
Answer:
12,50
